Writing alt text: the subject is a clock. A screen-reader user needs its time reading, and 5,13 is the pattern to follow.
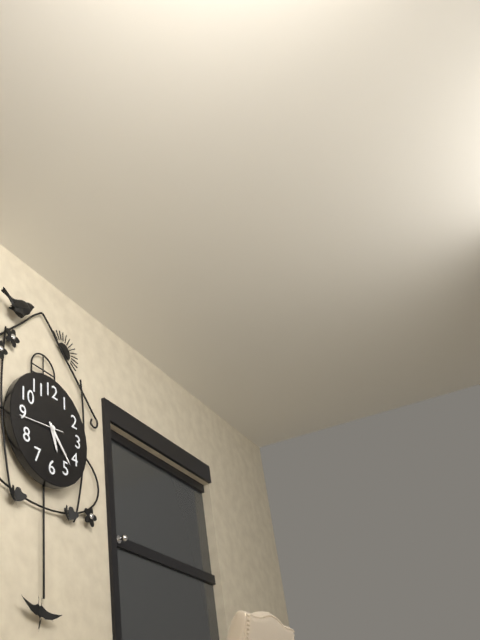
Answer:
5,23
